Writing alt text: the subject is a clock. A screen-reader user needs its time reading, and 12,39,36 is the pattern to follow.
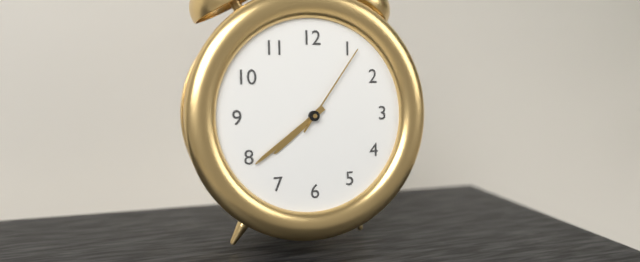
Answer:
7,39,06
